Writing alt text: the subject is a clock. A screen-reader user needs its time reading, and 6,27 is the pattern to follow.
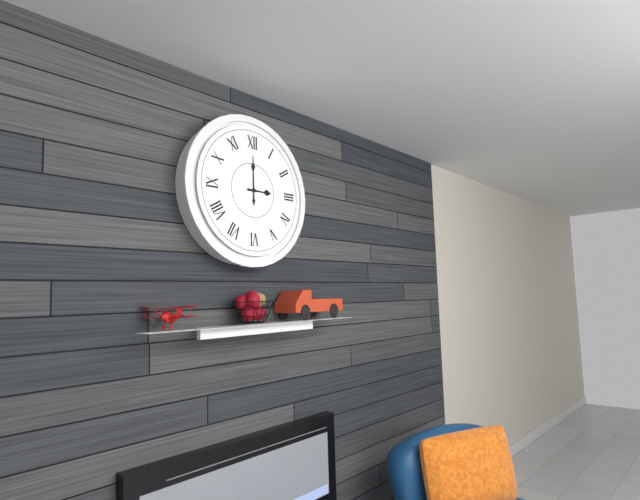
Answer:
3,00
